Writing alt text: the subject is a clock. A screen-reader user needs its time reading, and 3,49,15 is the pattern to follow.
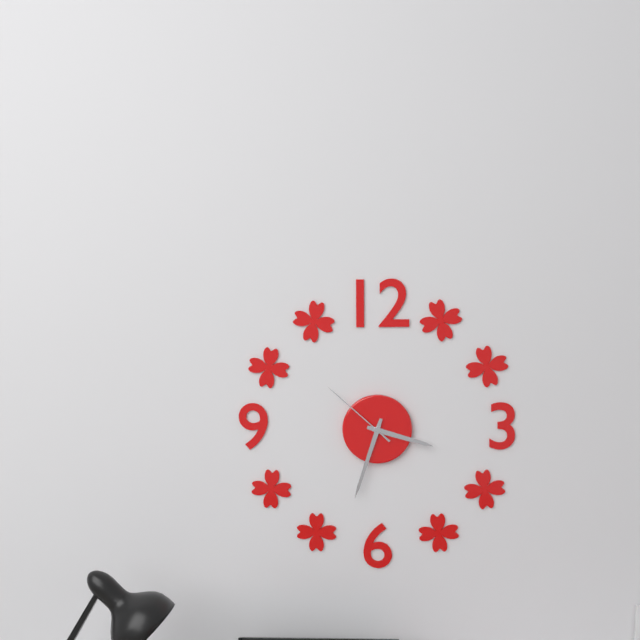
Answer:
3,33,52
